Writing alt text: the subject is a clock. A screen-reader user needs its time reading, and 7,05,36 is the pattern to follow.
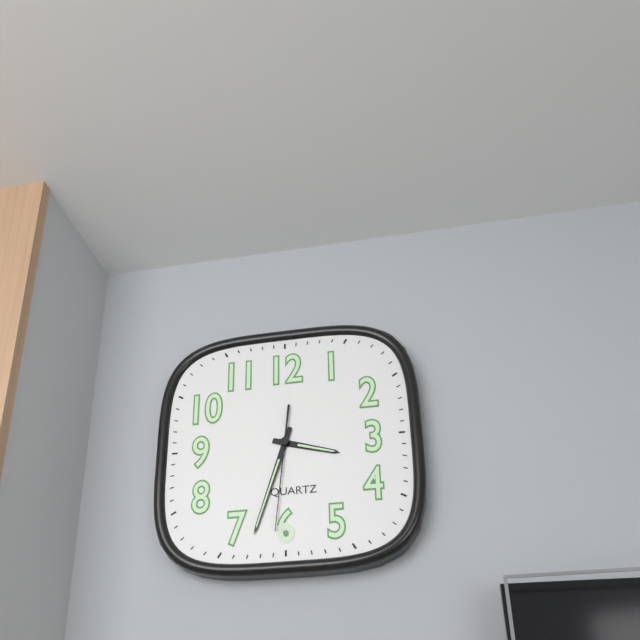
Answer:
3,33,31
